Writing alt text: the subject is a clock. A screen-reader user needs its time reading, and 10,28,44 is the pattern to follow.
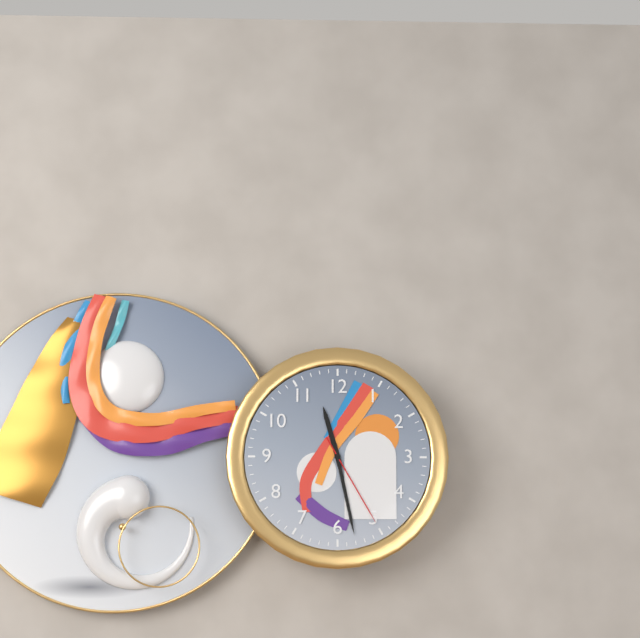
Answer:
11,28,25
